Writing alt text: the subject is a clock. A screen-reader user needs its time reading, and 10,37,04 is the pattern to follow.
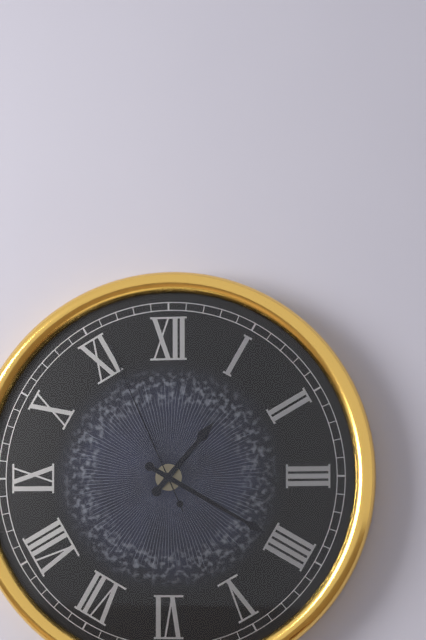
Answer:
1,20,56
